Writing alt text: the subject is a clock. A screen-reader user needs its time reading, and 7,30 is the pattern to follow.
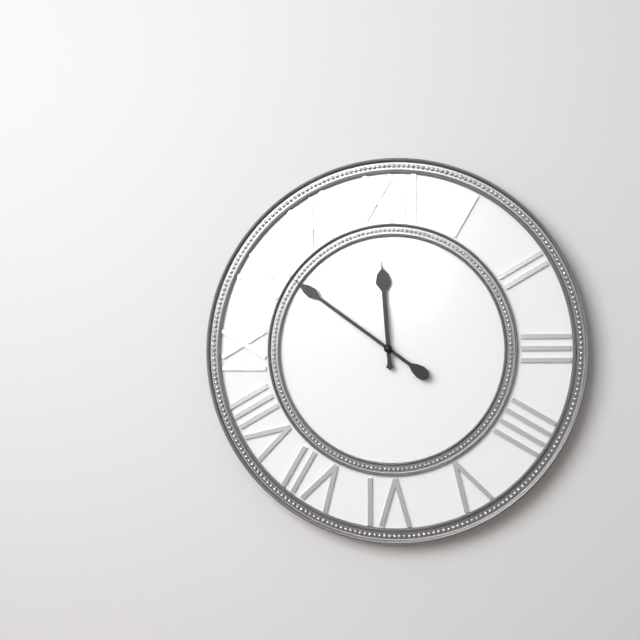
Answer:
11,51
